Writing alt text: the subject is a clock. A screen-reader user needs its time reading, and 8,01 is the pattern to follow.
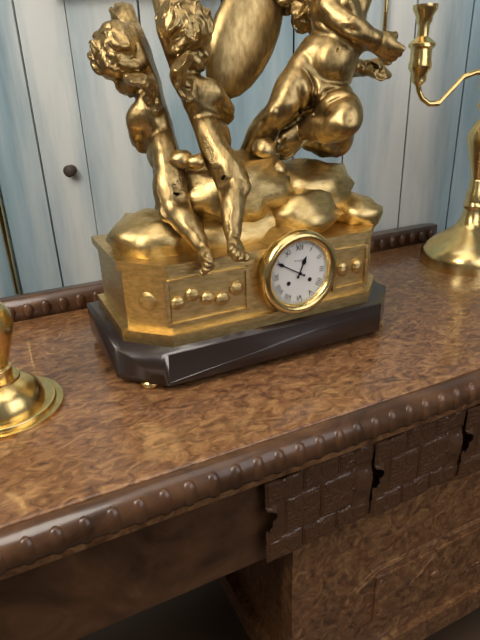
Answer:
12,50
